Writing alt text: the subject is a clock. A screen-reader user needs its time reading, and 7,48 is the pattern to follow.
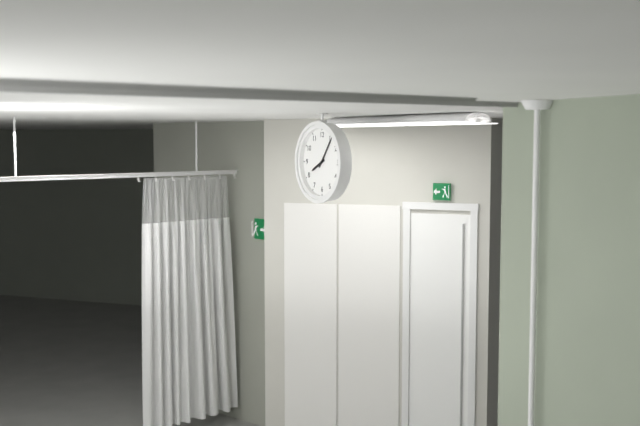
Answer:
8,06
